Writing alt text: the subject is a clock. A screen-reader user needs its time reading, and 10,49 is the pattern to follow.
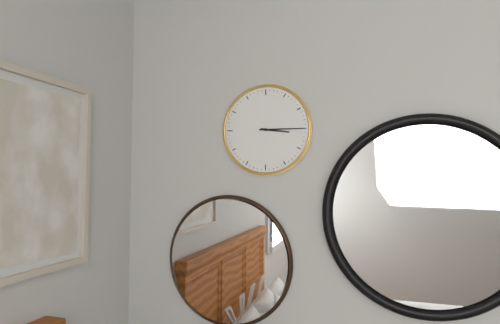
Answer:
3,15
